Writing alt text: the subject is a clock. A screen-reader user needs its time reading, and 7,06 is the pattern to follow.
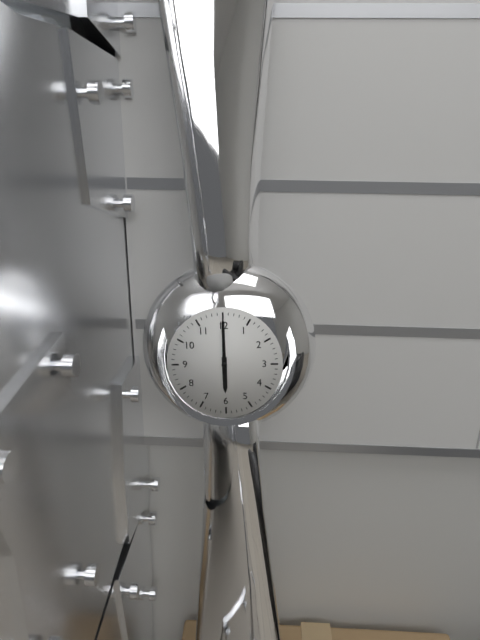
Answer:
6,00
